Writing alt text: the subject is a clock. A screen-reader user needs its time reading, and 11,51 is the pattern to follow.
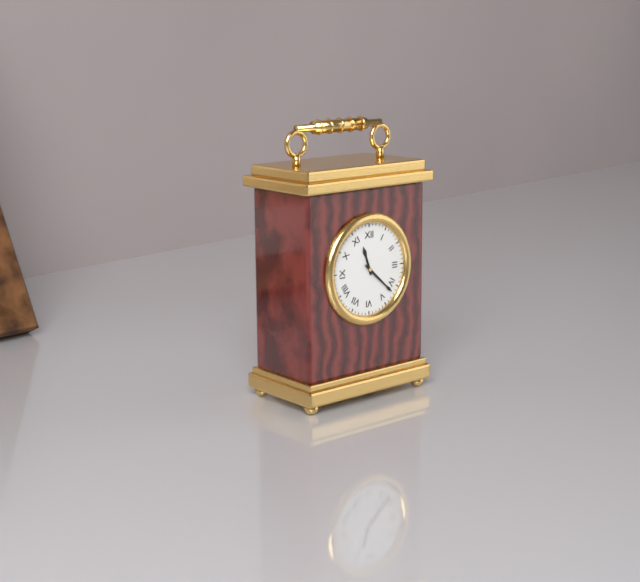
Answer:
11,22
